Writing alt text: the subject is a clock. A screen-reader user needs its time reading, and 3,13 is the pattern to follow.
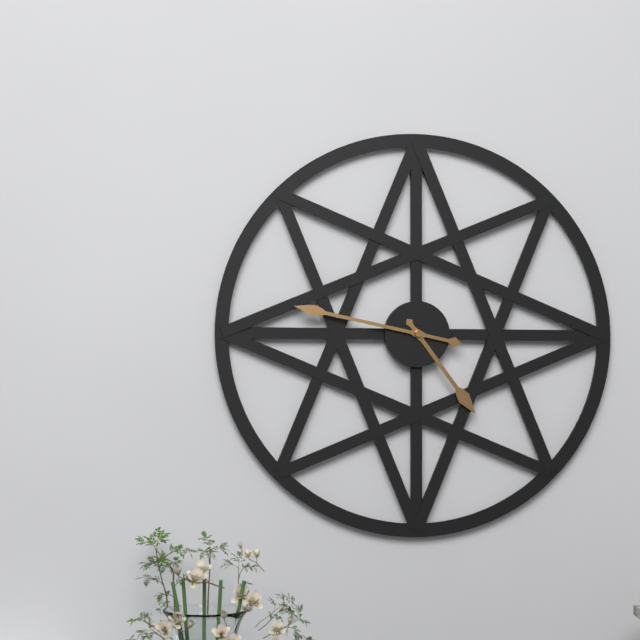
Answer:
4,47
